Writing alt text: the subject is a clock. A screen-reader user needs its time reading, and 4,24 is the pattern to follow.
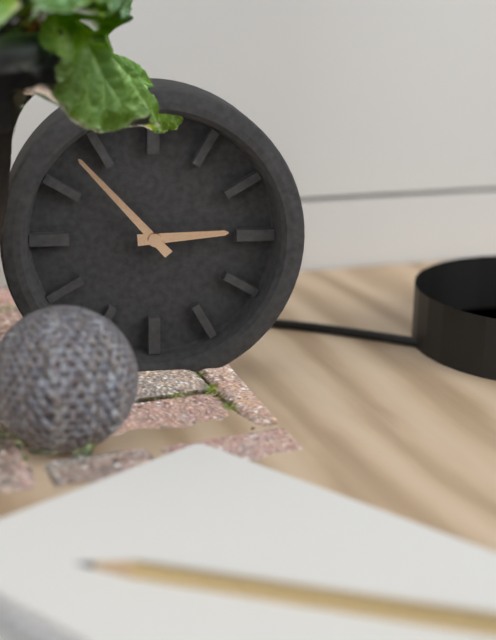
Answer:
2,53
